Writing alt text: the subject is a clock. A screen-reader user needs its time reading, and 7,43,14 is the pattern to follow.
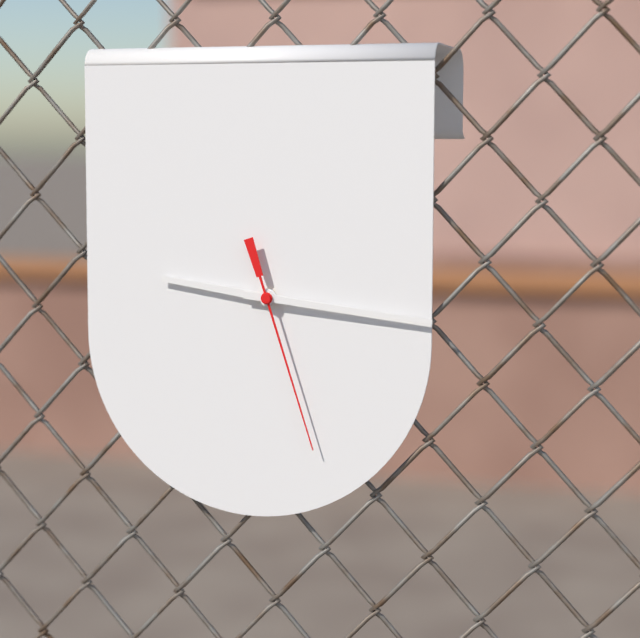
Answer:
9,16,27
